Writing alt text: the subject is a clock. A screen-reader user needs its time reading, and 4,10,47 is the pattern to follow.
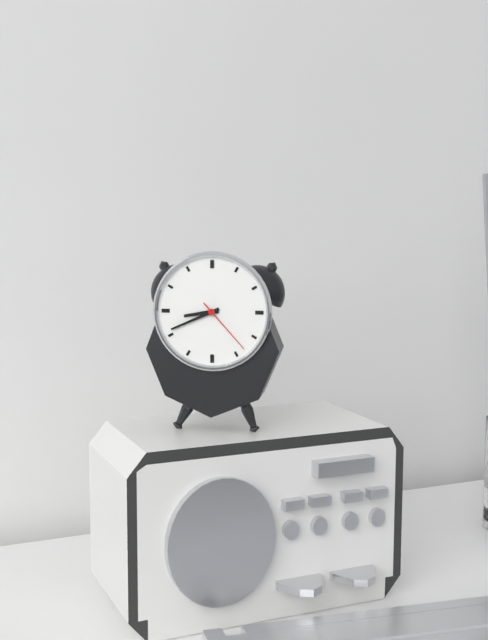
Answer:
8,41,23
